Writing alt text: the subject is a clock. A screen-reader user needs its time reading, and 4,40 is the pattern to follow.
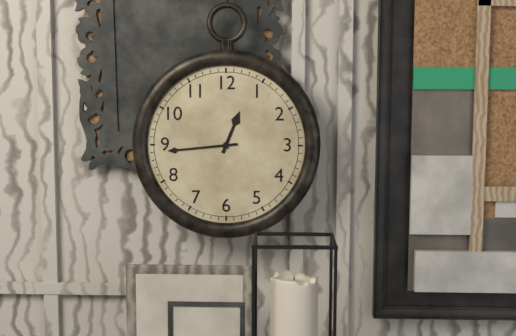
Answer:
12,44
